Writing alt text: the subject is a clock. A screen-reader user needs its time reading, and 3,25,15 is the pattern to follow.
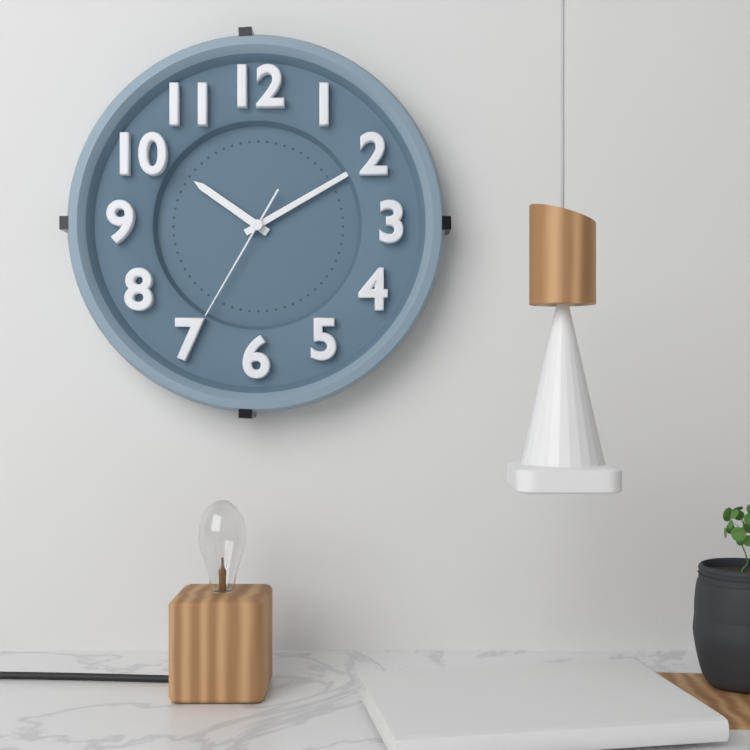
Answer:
10,10,35
